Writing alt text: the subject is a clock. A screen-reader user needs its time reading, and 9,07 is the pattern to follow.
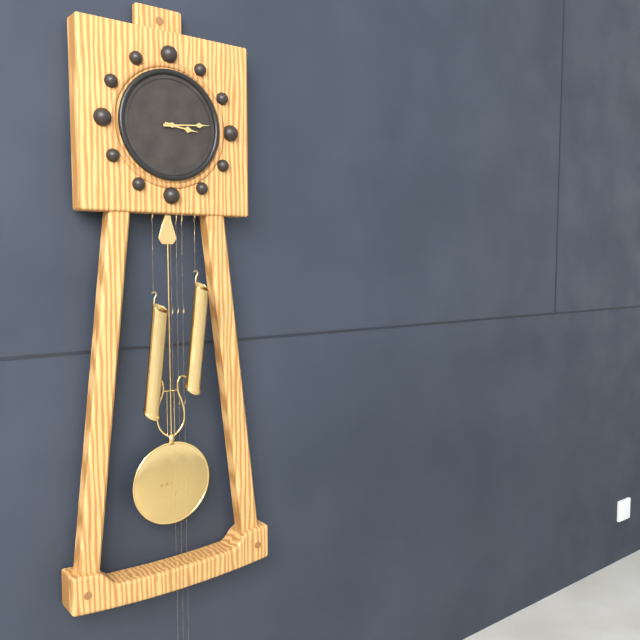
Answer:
3,14
